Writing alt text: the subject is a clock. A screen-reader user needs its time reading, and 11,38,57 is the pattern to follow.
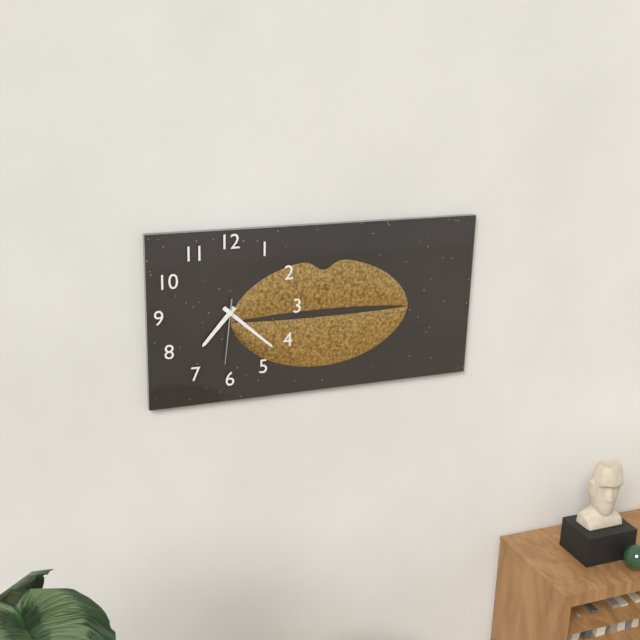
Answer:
7,22,31
